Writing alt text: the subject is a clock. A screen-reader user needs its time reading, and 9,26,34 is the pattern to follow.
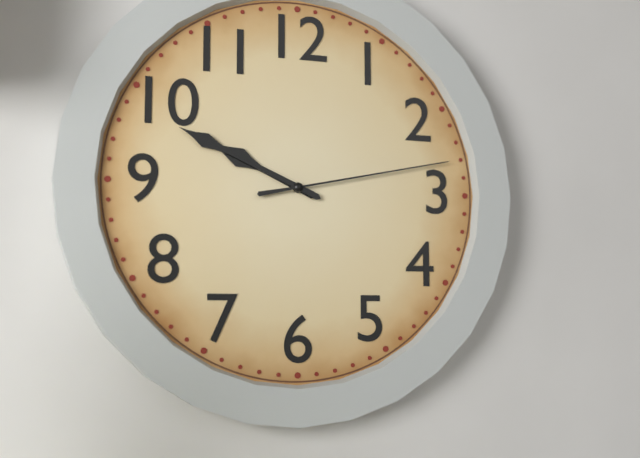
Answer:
9,49,13
